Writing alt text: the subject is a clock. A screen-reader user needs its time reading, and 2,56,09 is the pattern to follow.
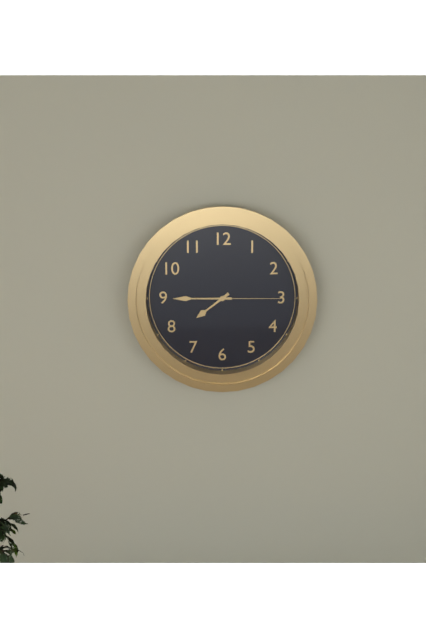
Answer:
7,45,15
